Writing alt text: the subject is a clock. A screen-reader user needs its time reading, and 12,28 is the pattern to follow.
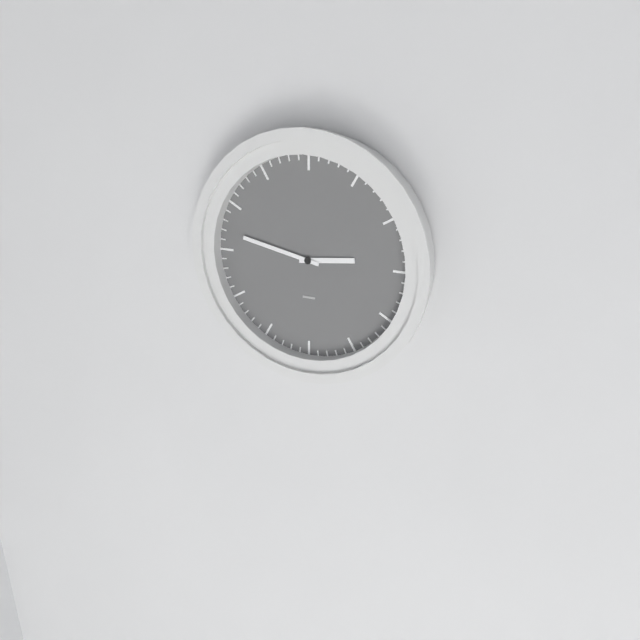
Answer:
2,47
